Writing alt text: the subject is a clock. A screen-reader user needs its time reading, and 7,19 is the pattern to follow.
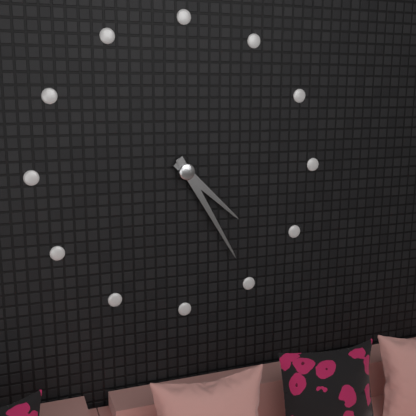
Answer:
4,25
